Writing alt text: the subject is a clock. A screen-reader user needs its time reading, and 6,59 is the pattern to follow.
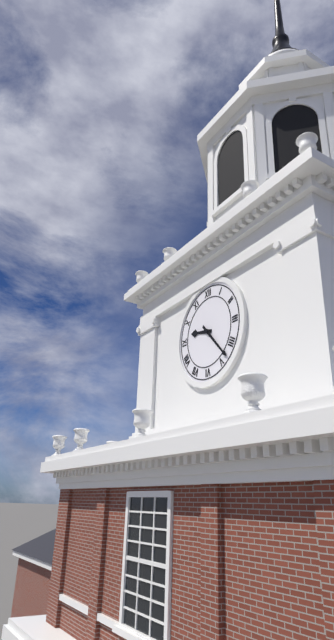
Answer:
9,23
